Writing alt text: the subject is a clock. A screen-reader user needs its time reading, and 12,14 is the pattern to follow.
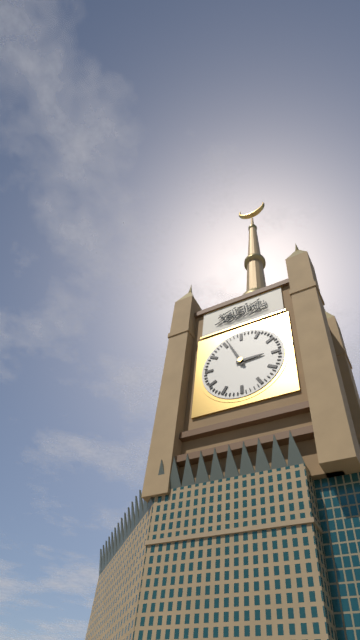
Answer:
2,56
